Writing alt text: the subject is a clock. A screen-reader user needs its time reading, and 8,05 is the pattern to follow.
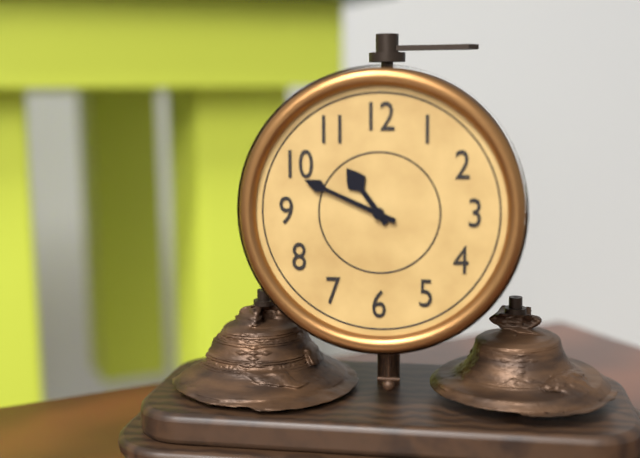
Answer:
10,49
